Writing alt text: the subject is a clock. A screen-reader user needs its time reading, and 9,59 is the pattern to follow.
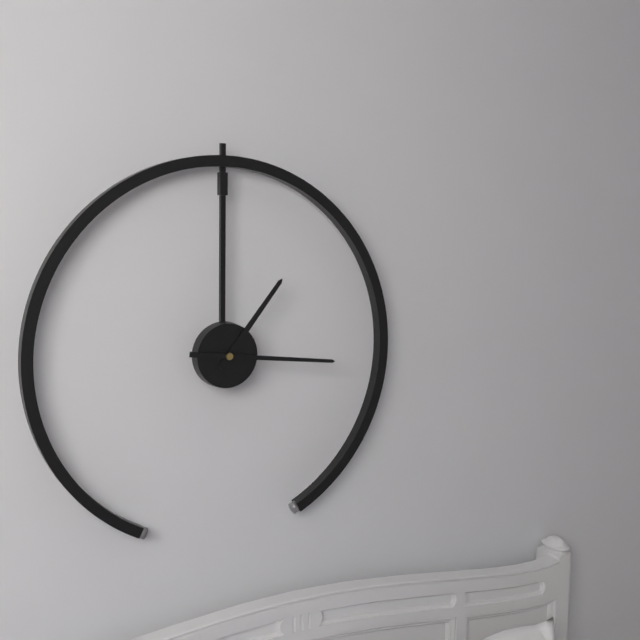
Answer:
1,16
